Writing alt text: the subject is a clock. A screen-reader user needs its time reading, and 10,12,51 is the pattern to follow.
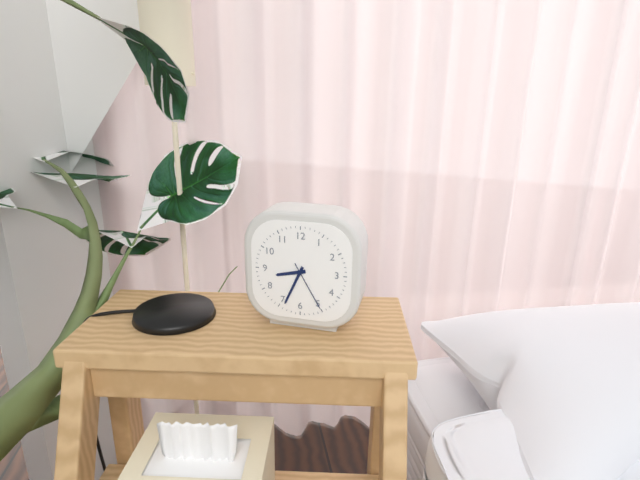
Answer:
8,34,25
